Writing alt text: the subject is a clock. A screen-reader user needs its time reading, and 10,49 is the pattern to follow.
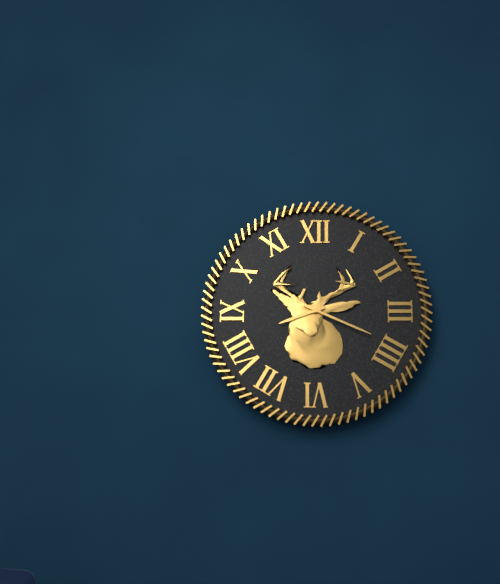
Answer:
8,19
